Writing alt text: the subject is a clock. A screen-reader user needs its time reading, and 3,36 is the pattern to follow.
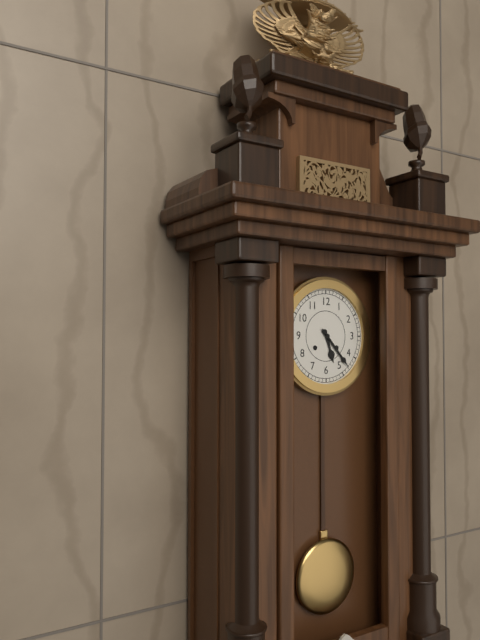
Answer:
5,23
